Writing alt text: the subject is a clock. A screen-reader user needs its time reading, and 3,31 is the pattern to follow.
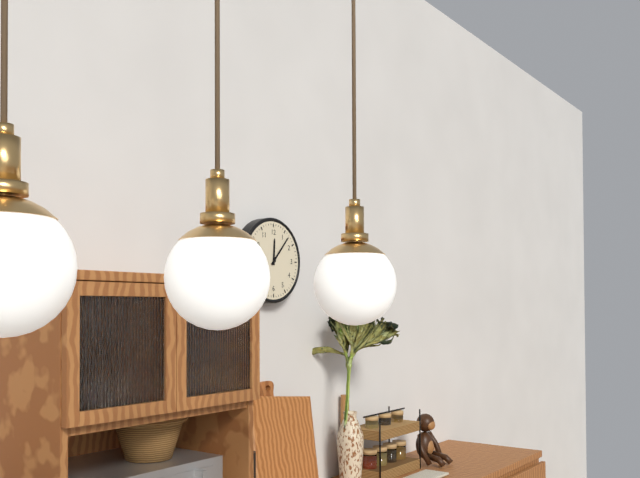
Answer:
12,07
